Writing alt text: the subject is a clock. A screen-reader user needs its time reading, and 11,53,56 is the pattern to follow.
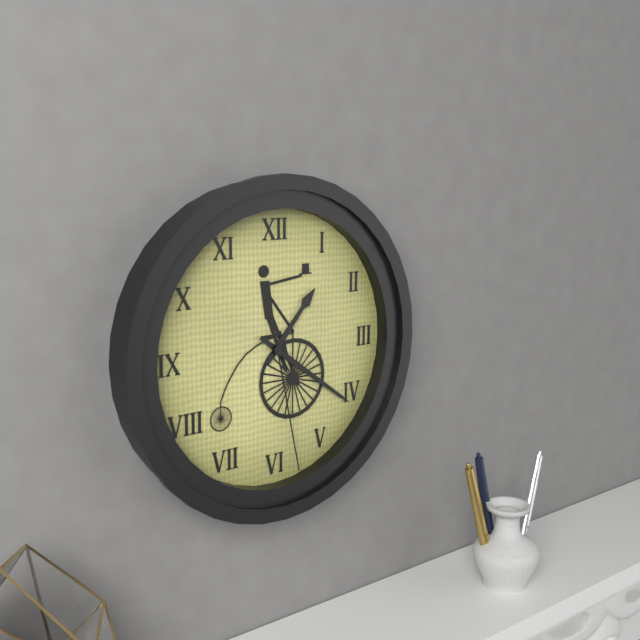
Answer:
1,21,28
